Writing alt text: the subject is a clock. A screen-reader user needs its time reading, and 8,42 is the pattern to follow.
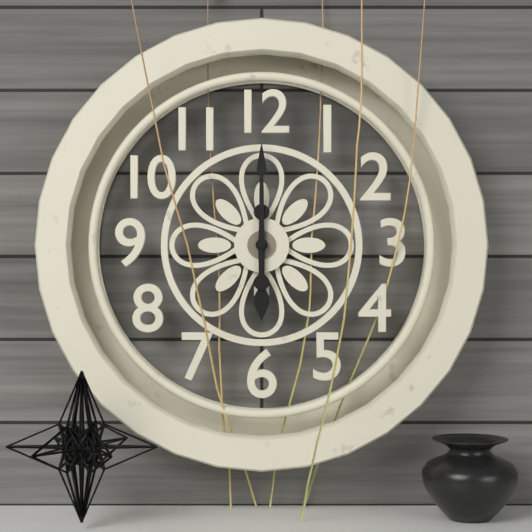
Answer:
6,00
